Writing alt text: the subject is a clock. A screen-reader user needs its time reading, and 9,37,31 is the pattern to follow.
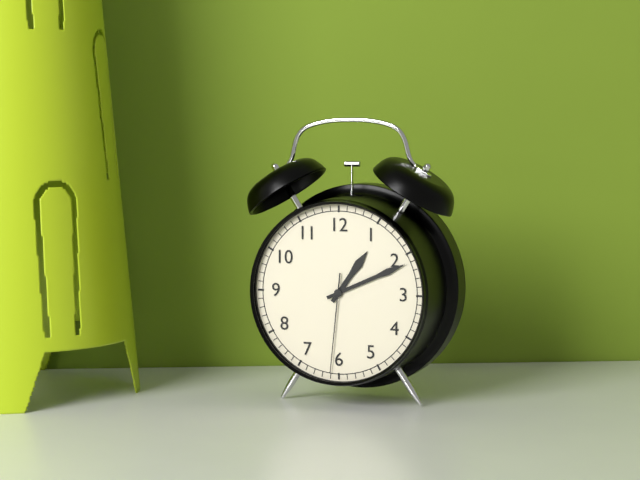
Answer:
1,11,31
